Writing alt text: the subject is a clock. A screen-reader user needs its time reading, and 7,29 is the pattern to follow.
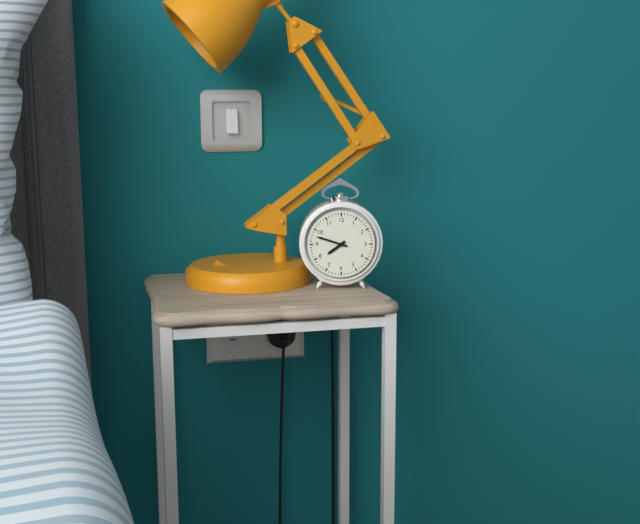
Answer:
7,48
